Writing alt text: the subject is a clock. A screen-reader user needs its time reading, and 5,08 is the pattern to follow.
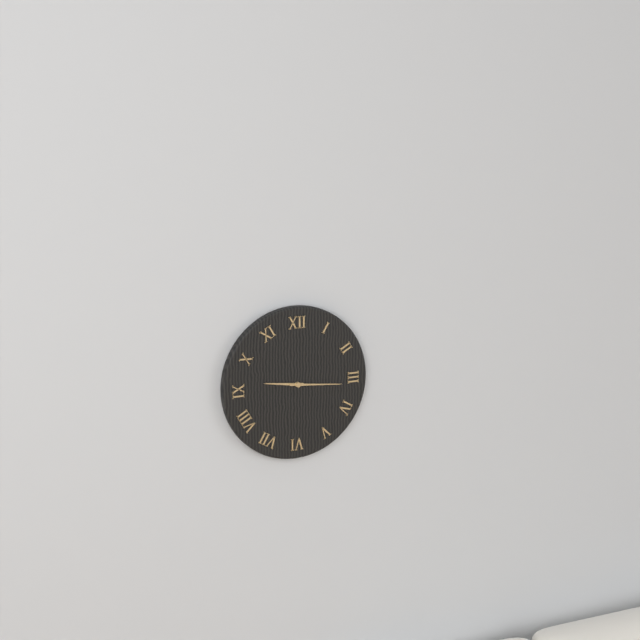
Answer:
9,16
